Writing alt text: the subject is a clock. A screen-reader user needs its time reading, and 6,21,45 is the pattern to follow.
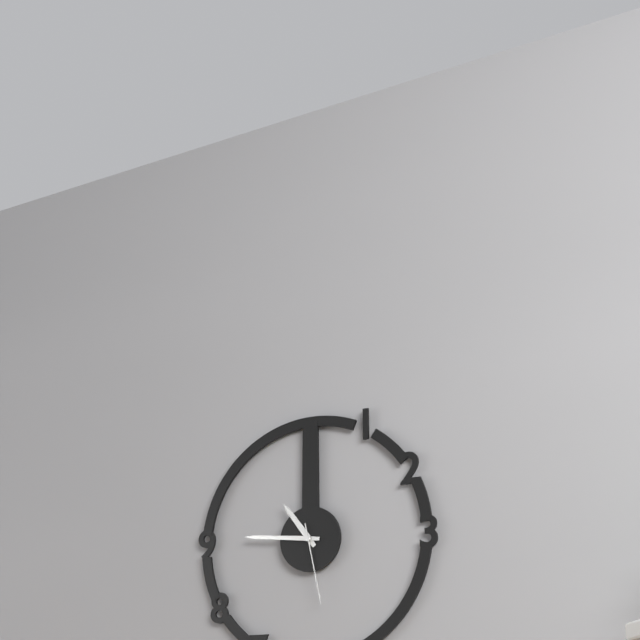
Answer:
10,46,28
